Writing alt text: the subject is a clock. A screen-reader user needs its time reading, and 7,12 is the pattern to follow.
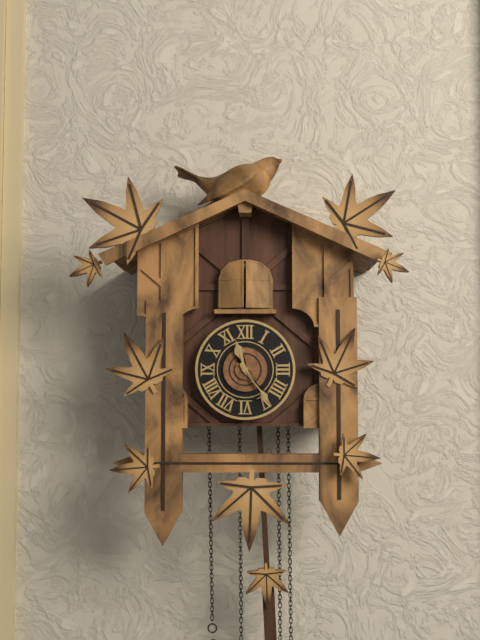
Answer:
11,24
